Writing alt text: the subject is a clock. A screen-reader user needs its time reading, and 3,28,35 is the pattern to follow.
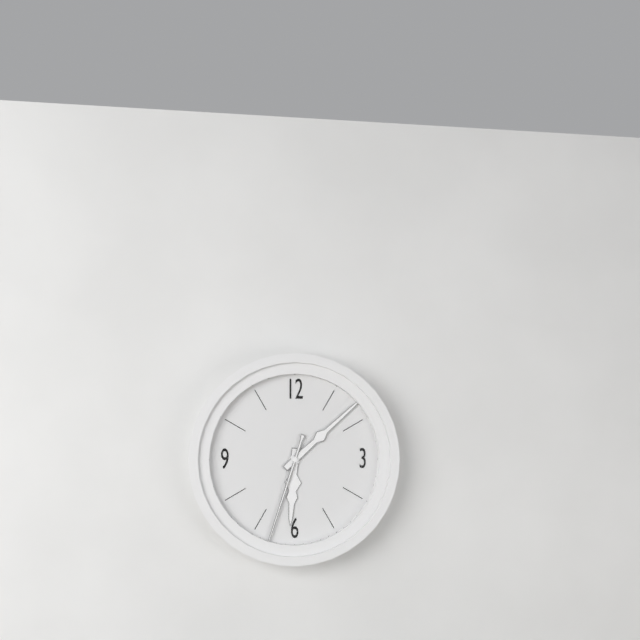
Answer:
6,08,33
